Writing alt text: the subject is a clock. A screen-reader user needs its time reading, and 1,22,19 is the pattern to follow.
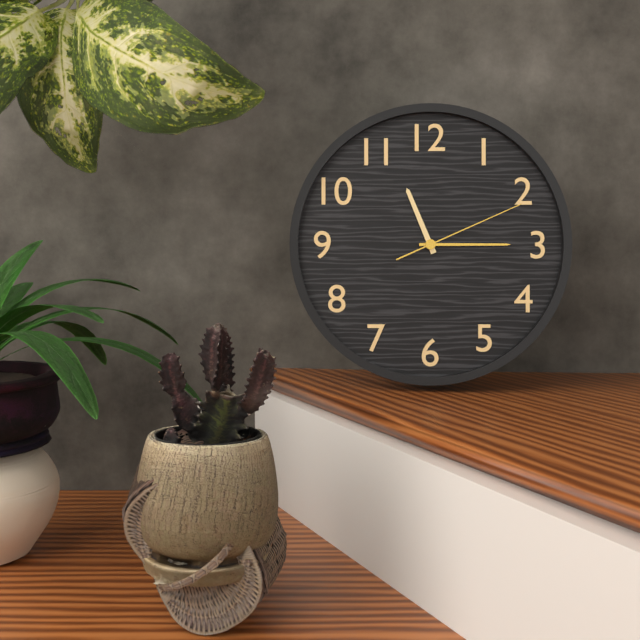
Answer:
11,15,11
